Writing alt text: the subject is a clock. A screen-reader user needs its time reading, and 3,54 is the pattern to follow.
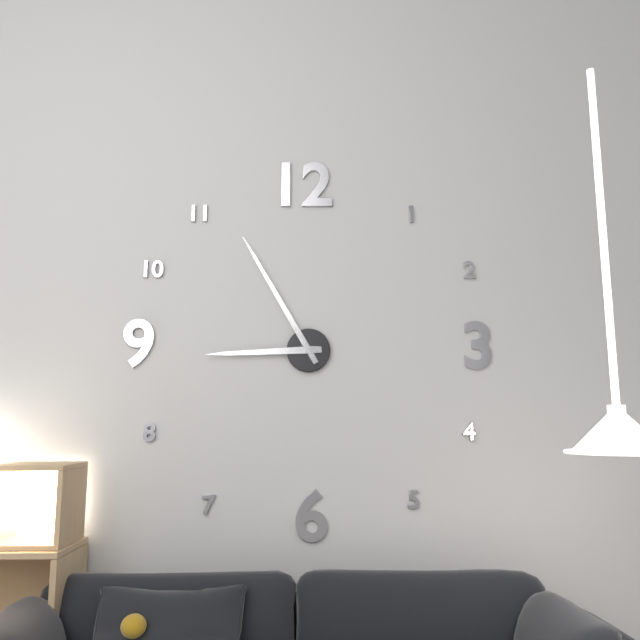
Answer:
8,55
